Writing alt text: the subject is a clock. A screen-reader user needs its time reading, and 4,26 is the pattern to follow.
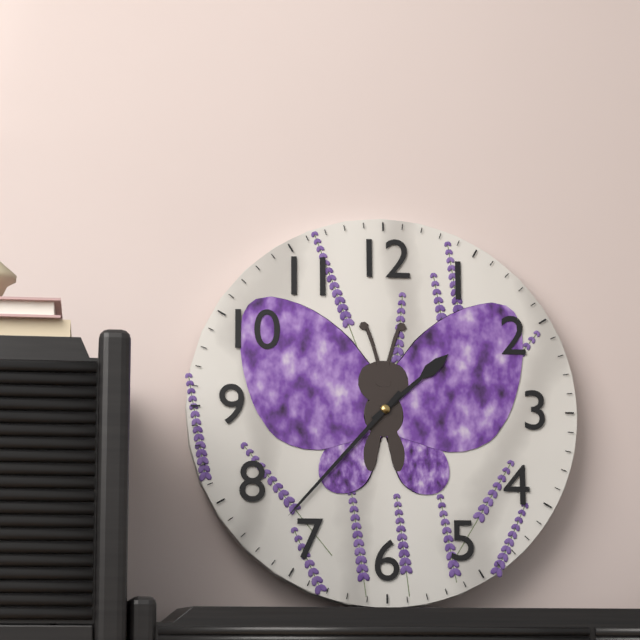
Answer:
1,37
